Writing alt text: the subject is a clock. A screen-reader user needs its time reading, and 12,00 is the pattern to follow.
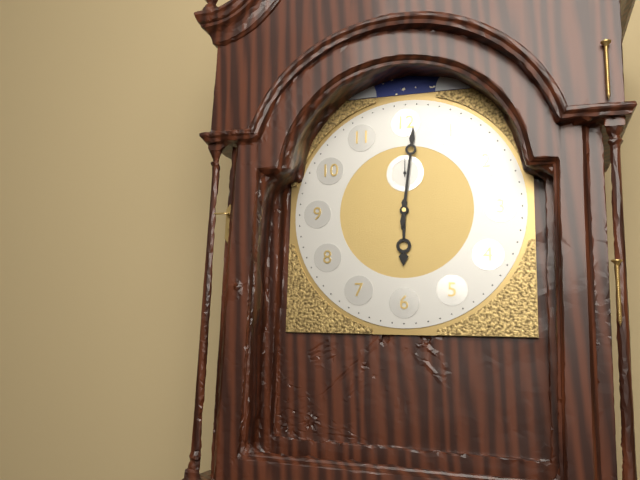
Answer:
6,01
